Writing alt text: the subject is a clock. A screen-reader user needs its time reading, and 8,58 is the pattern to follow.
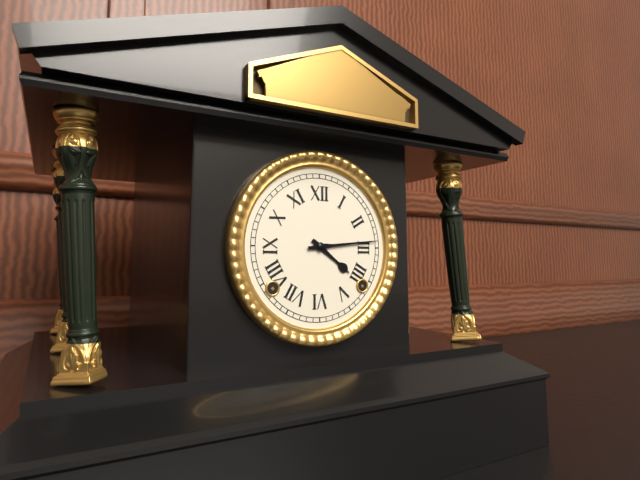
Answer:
4,14
